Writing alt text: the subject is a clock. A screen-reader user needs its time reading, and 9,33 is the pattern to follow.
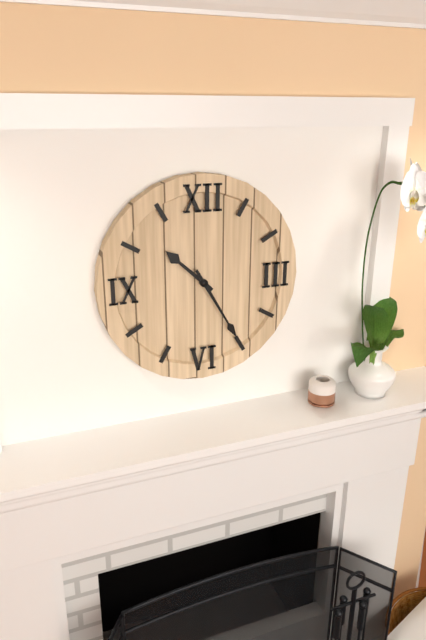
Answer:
10,25
